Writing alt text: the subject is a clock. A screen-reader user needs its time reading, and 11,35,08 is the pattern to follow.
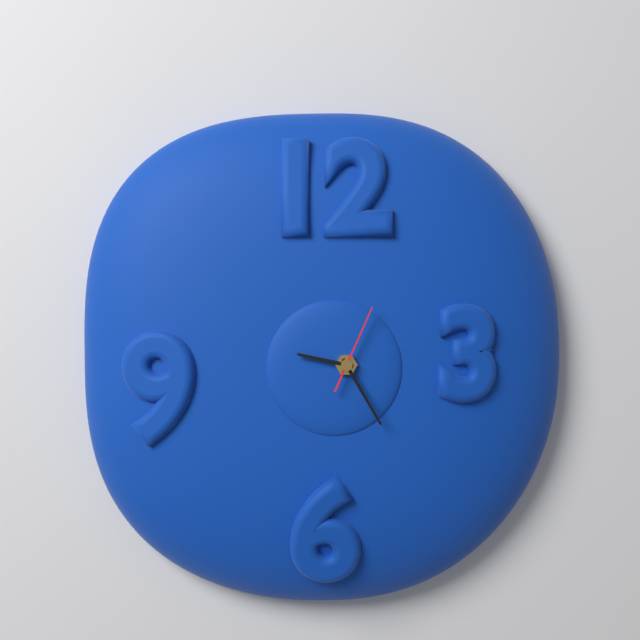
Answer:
9,25,04
